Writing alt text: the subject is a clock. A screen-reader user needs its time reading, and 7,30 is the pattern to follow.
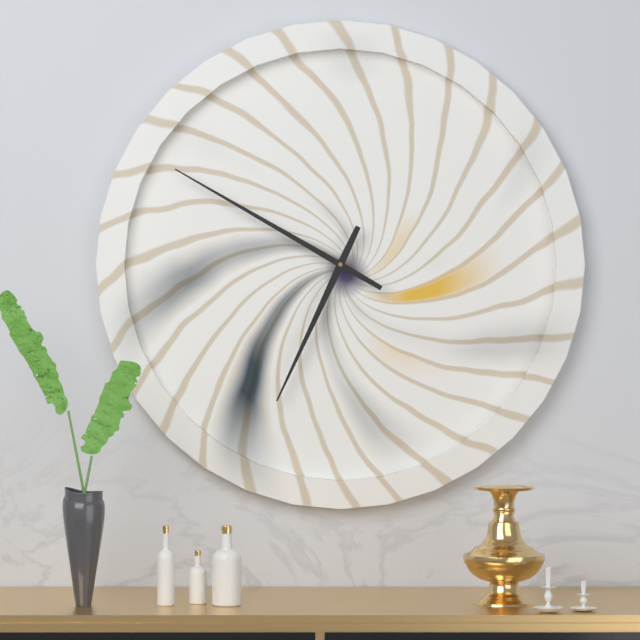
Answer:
6,50
